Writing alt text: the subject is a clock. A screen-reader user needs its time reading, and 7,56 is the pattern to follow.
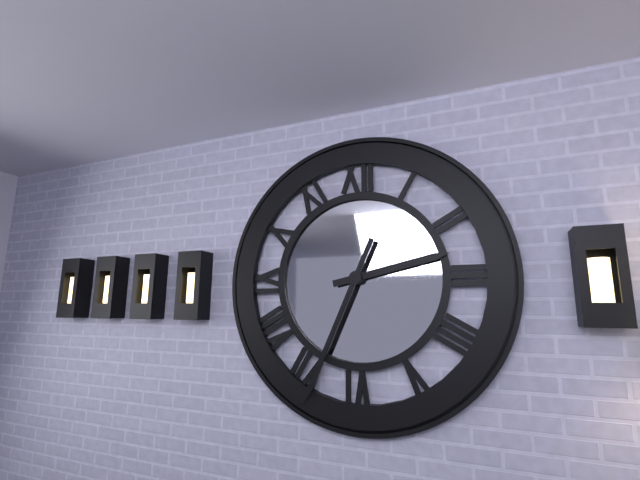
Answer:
2,34
